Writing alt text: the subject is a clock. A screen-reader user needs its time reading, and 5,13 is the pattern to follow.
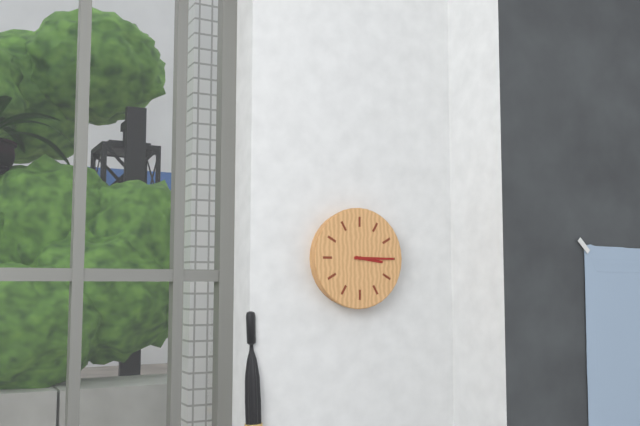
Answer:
3,15
